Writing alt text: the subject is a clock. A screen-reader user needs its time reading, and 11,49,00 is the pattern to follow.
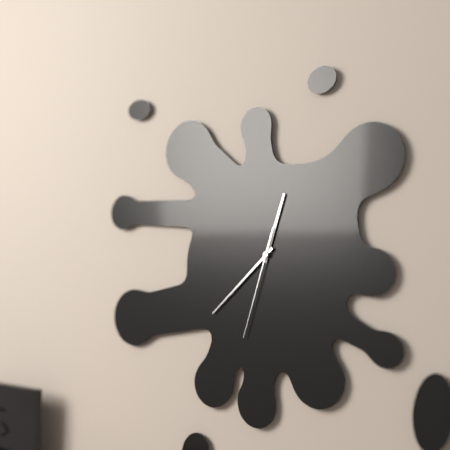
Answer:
12,38,33
